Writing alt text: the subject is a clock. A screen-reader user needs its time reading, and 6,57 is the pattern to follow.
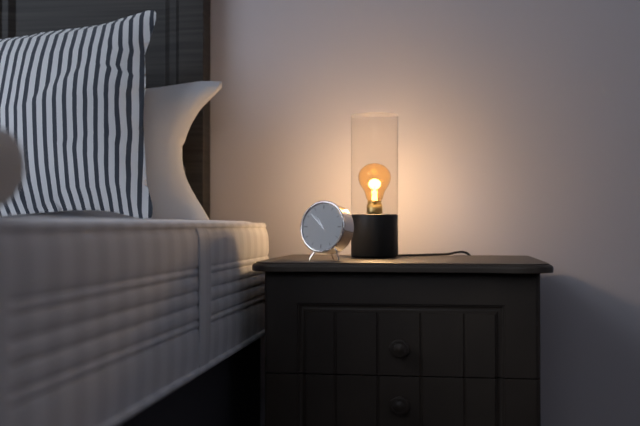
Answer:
10,52
